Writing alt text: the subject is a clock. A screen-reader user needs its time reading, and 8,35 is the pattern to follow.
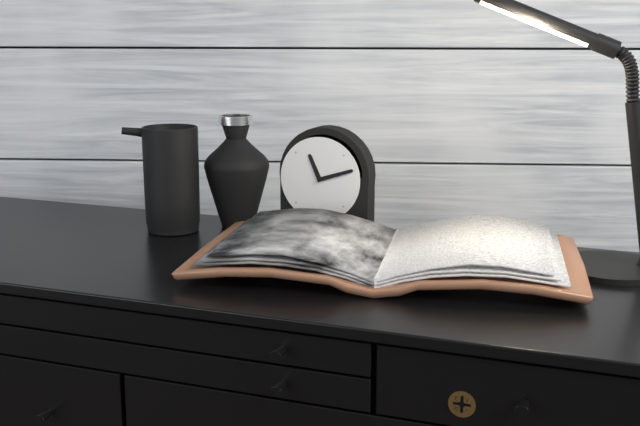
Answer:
11,12
